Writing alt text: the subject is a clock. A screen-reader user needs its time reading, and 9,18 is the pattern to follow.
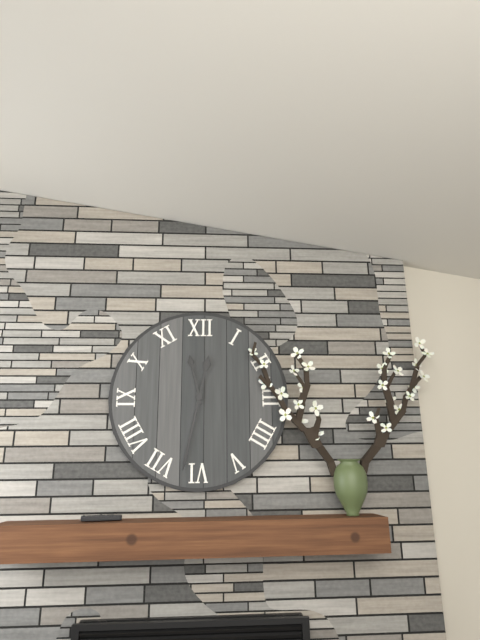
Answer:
11,32
